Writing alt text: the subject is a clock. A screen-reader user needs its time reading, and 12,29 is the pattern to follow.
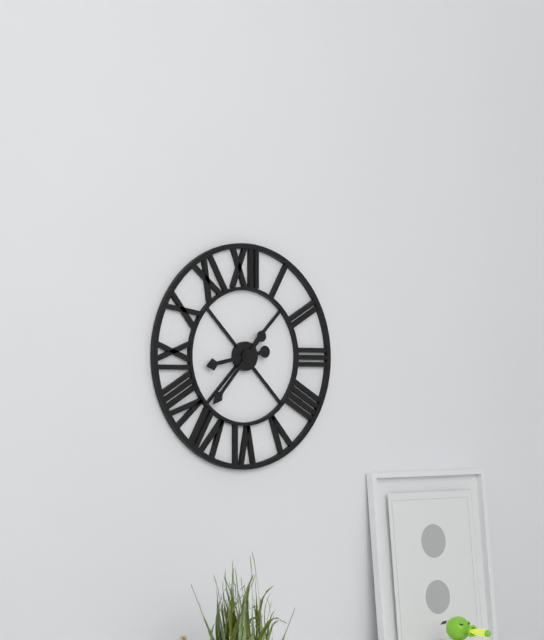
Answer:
8,37
